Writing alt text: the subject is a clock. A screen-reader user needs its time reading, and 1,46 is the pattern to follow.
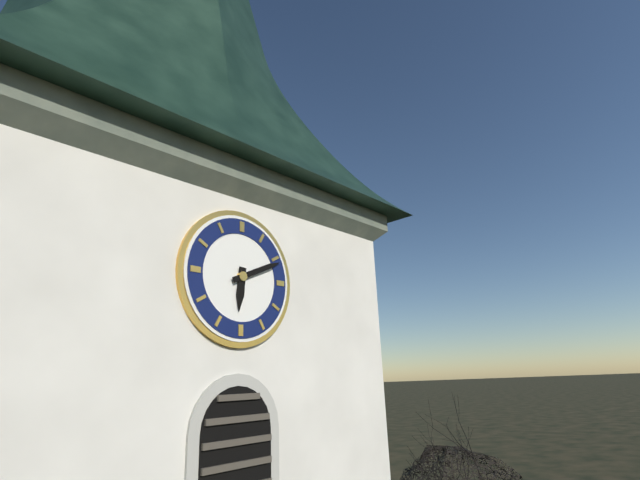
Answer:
6,11
